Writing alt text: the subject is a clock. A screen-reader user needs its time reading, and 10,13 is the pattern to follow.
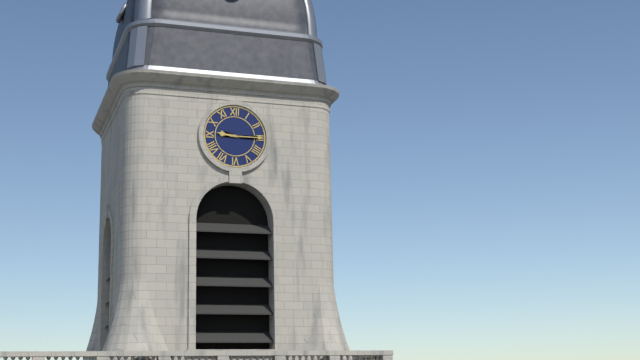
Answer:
9,15
